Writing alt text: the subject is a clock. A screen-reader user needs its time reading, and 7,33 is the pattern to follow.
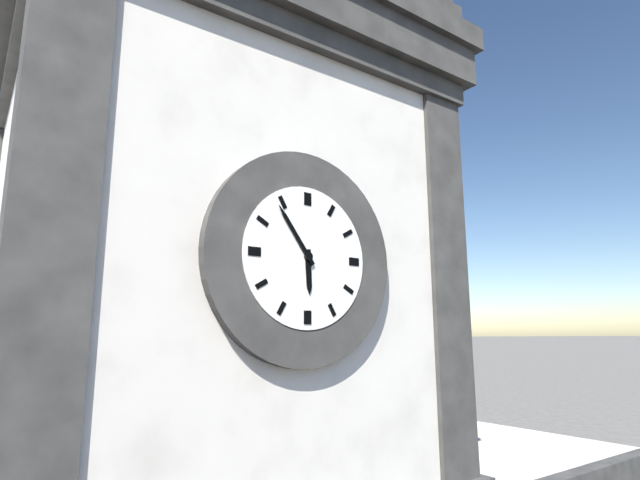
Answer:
5,54
